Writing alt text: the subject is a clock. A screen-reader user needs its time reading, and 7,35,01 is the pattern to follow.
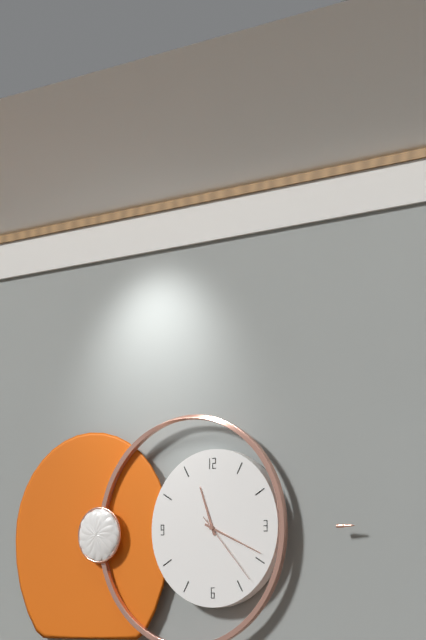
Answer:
11,19,23
